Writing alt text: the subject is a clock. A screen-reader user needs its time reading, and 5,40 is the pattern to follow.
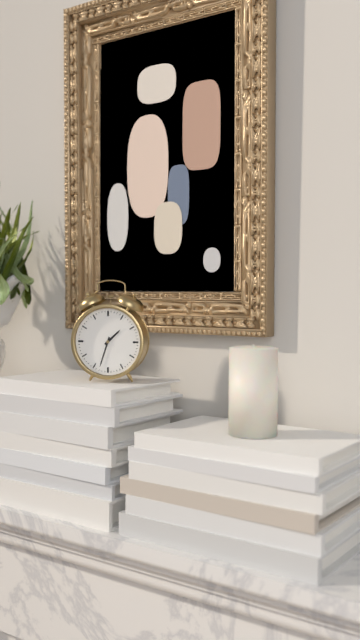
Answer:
1,33
